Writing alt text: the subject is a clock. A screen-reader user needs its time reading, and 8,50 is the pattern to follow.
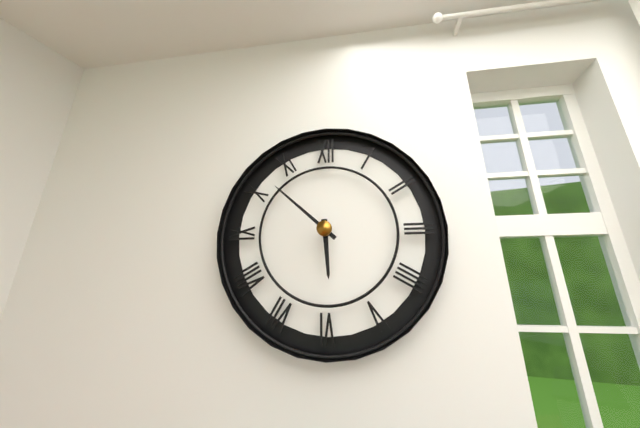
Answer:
5,52
